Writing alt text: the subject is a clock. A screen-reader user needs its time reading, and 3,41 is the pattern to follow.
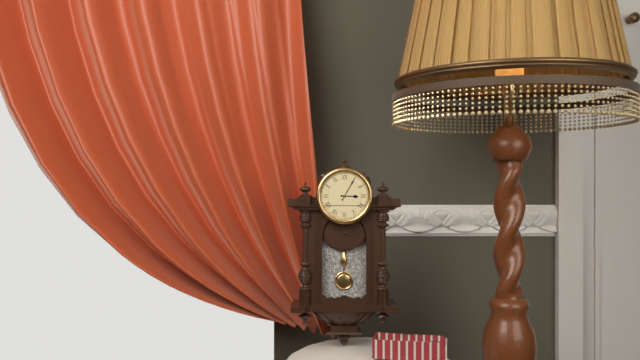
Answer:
3,05
